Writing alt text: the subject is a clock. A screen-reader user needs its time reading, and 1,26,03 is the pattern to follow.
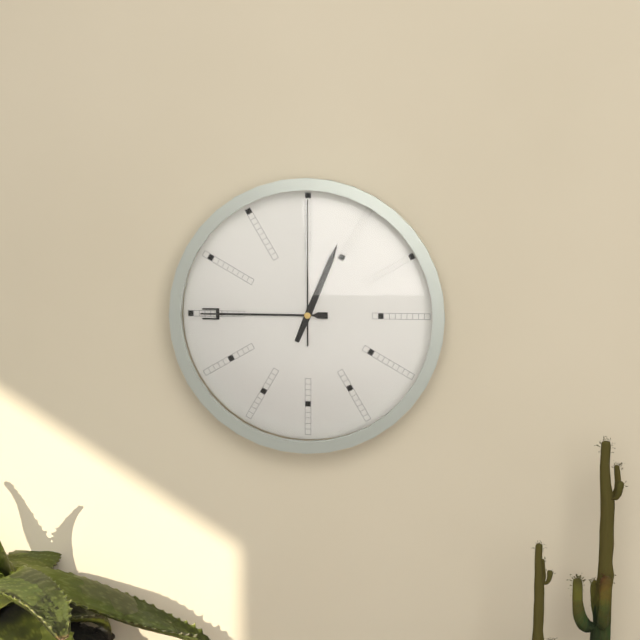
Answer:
12,45,00
